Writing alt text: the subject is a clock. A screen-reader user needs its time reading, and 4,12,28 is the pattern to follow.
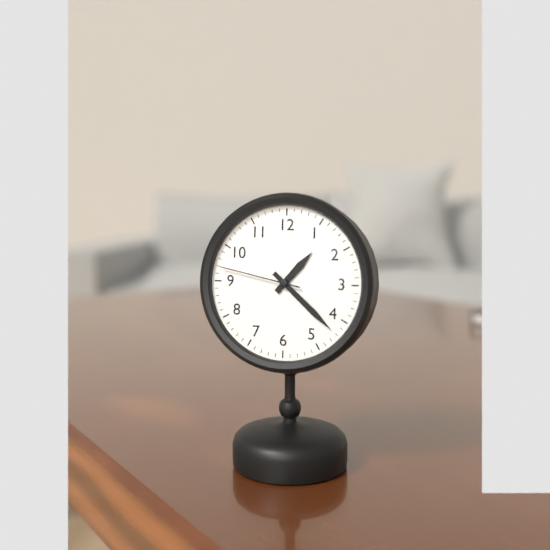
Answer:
1,22,47
